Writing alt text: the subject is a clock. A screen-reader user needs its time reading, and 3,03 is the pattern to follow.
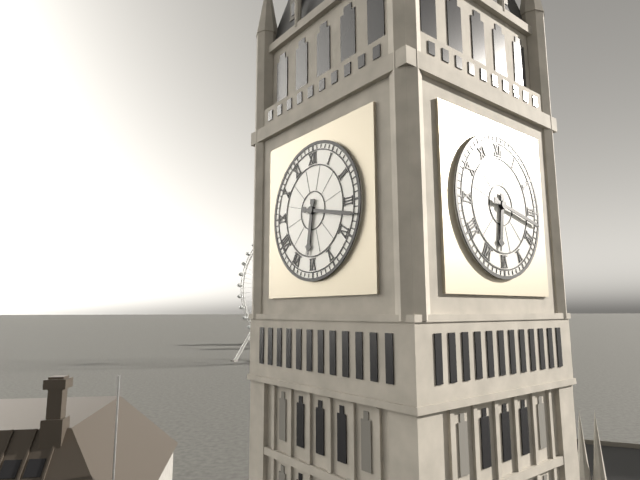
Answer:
6,17
